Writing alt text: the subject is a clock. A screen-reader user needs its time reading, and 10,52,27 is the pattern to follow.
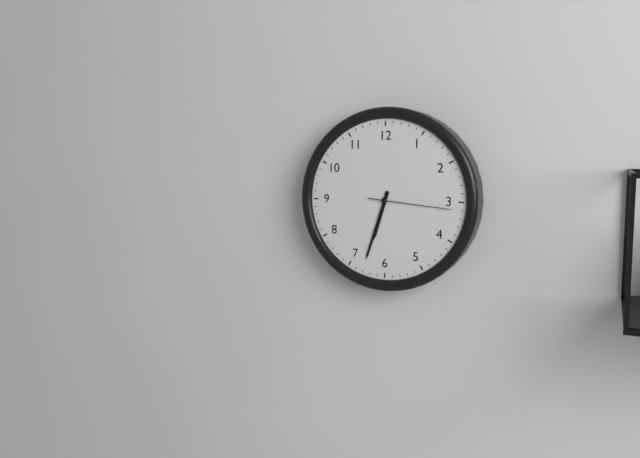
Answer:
6,33,16
